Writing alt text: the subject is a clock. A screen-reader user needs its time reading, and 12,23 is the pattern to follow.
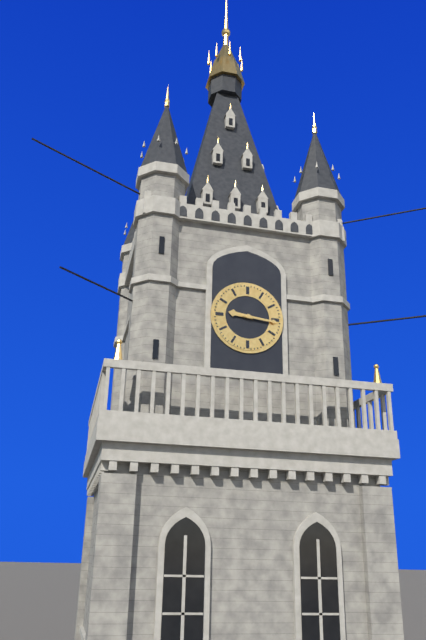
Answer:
9,16
